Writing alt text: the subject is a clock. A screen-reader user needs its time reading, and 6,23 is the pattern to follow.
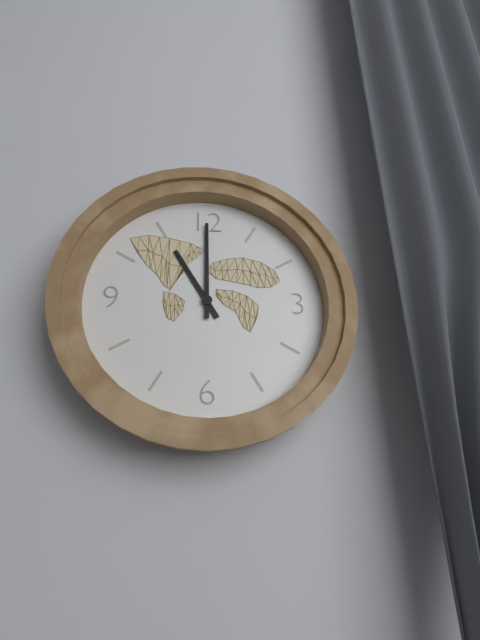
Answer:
11,00
